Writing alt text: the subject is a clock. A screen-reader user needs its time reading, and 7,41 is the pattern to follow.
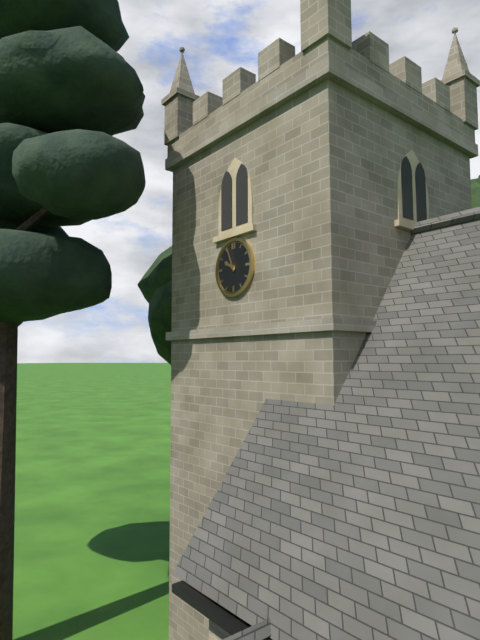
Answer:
9,56
